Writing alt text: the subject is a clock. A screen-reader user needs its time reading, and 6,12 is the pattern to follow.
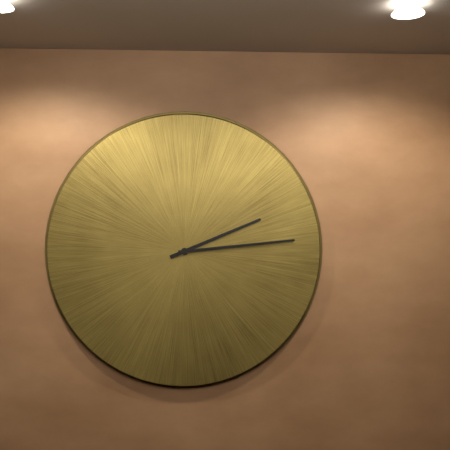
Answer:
2,14
